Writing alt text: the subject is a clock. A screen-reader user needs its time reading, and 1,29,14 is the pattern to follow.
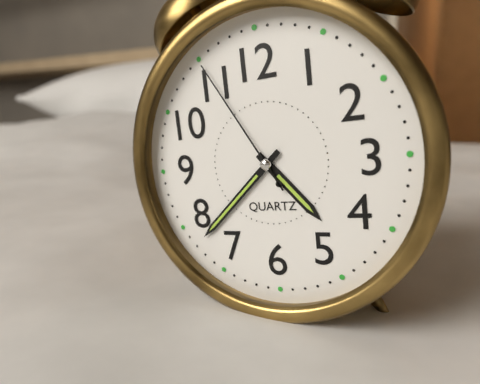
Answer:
4,38,55
